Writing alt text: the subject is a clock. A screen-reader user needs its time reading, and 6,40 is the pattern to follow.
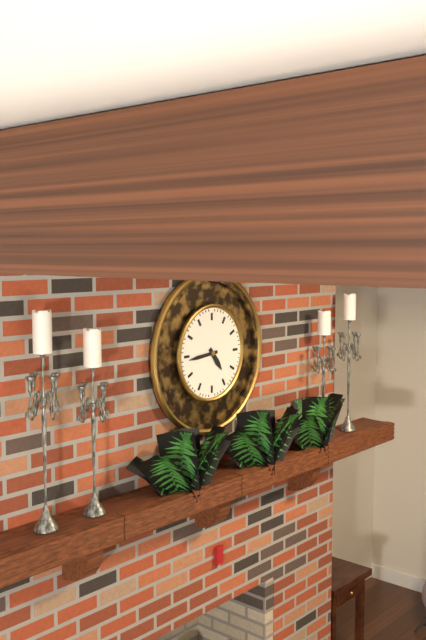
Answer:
4,44
